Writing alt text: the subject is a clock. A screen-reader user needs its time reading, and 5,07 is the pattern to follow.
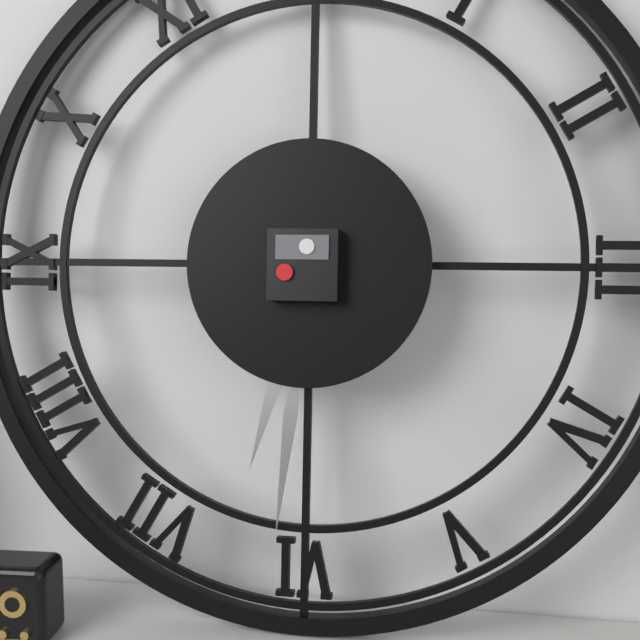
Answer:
6,31
